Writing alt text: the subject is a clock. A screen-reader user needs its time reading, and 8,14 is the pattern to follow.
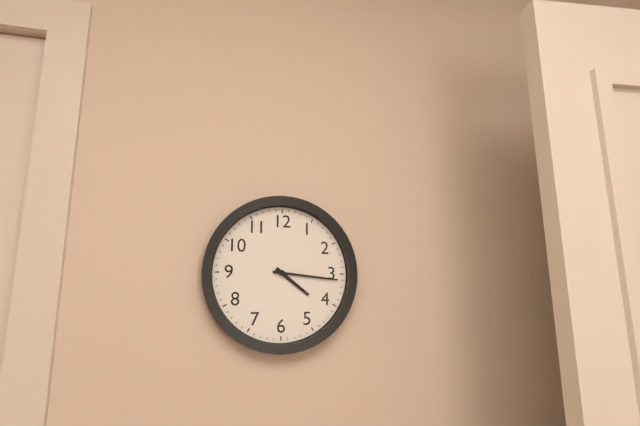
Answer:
4,16
